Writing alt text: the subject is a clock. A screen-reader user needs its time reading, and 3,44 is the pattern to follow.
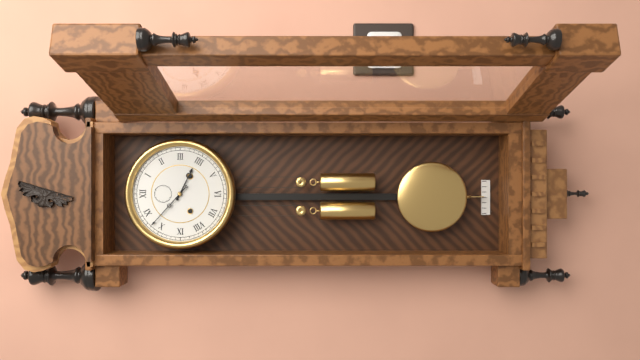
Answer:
3,52
